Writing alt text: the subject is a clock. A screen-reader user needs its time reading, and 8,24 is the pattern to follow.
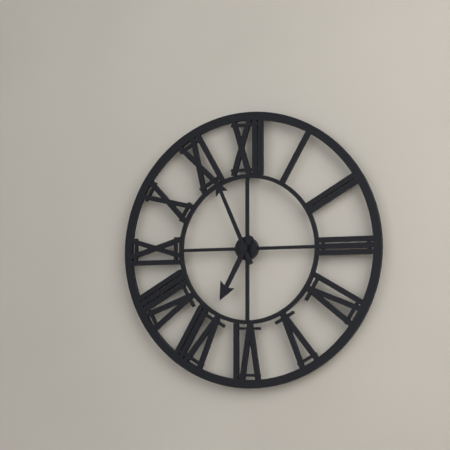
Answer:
6,56
